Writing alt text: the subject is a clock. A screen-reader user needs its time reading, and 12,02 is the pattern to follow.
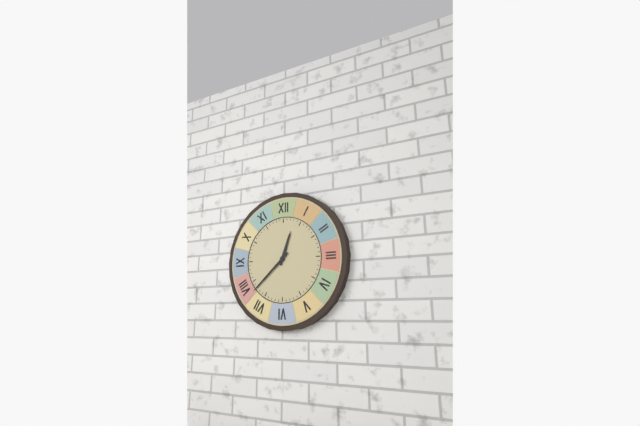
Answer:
12,38
